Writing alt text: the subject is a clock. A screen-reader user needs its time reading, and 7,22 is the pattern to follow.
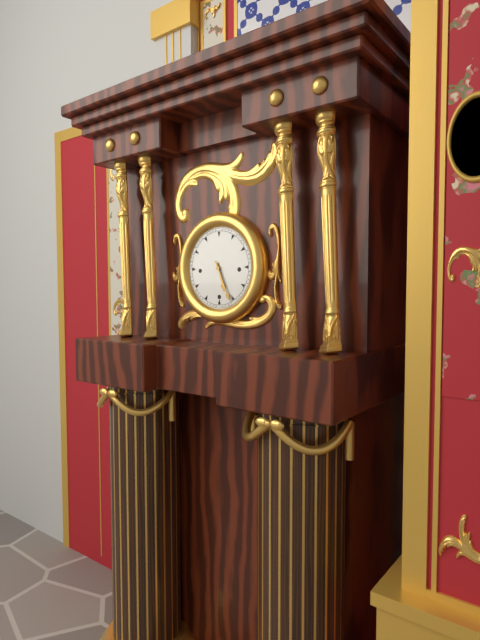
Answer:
5,26
